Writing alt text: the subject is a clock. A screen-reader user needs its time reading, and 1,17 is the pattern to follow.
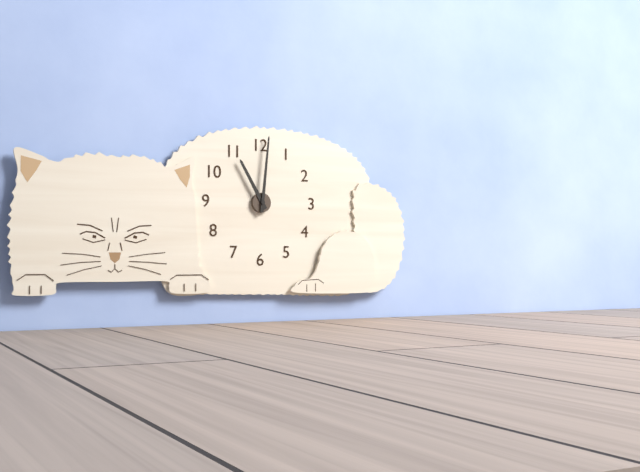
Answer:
11,01
